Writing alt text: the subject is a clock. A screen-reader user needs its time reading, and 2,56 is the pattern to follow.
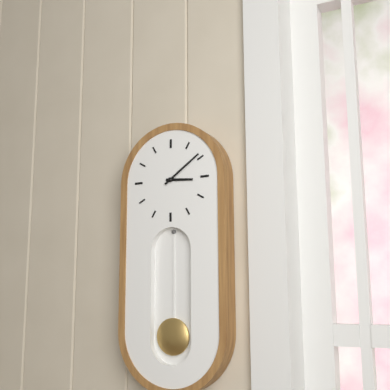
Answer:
3,09
